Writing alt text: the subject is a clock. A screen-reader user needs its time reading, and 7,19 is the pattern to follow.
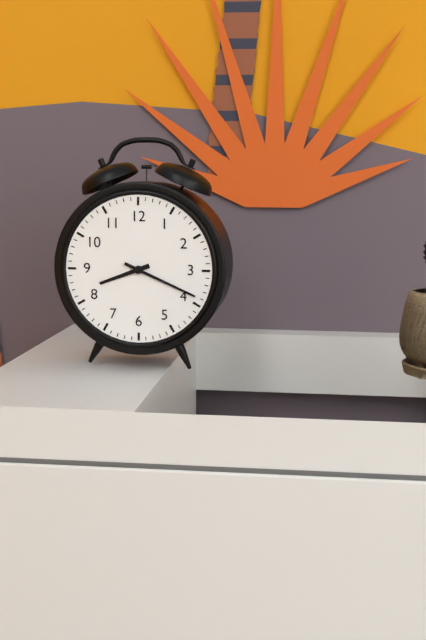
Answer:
8,19
